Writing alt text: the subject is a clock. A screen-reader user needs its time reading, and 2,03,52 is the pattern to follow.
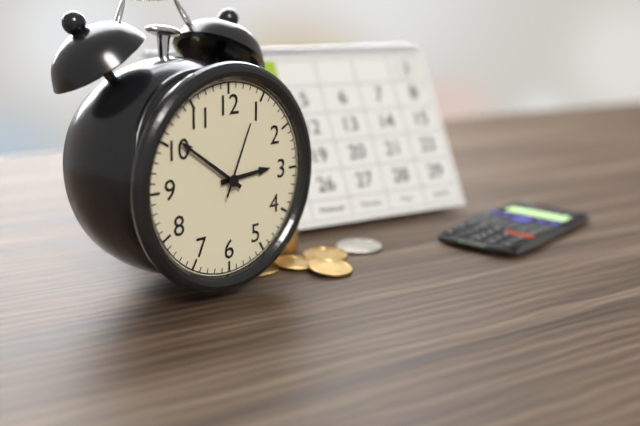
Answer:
2,51,04
